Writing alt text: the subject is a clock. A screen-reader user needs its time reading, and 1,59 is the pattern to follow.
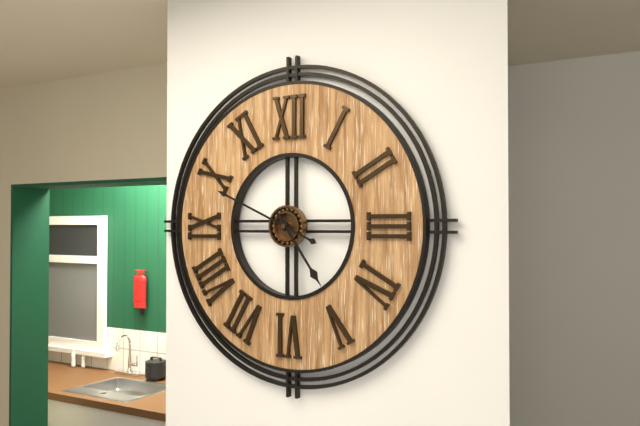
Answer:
4,49
